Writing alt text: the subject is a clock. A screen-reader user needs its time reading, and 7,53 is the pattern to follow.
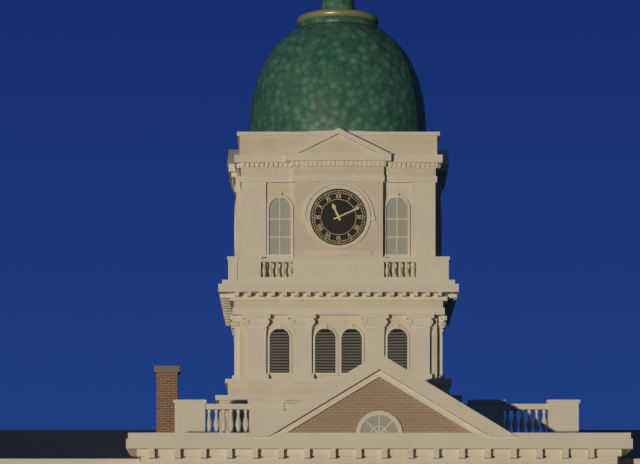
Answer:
11,11
